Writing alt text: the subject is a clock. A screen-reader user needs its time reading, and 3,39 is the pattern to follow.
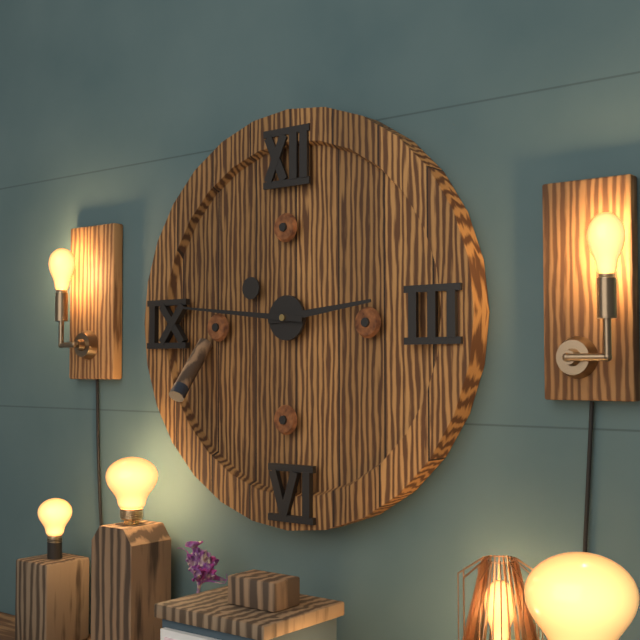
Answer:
2,46
